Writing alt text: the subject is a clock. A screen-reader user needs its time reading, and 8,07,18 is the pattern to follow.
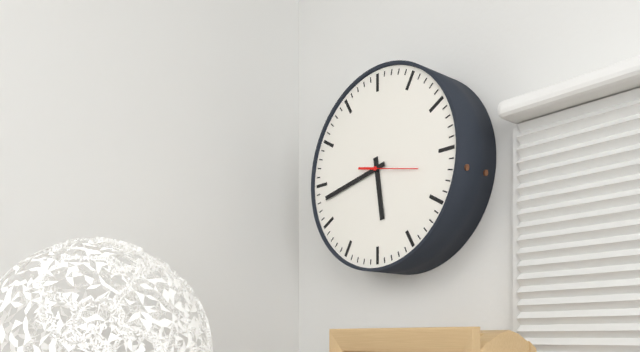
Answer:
5,43,17
